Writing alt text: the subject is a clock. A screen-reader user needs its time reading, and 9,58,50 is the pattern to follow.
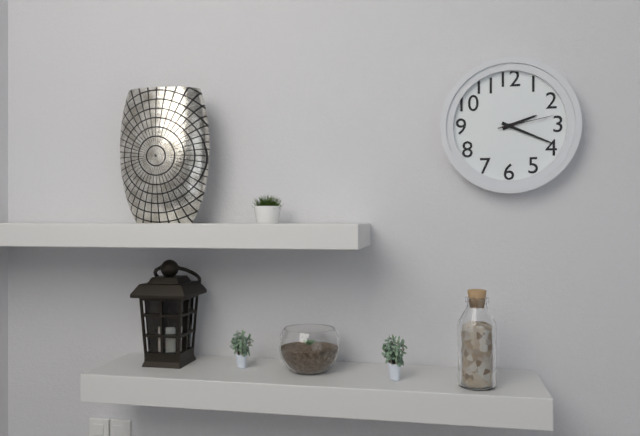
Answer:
2,19,13
